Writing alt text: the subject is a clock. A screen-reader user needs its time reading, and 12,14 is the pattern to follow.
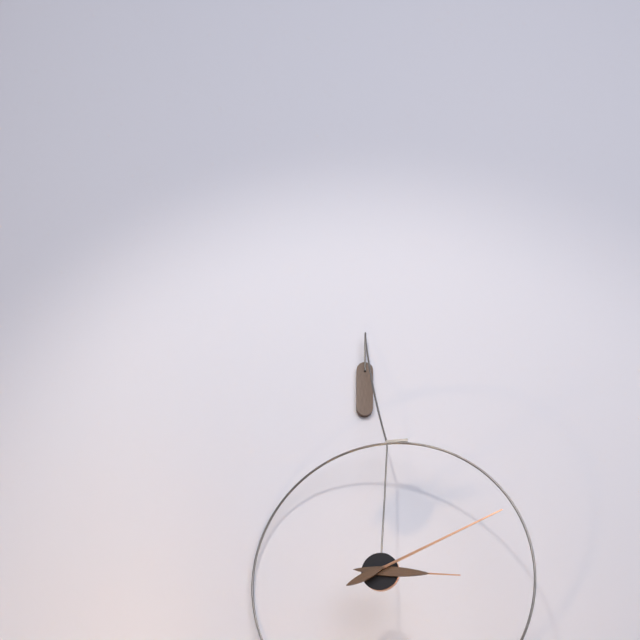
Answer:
3,11
